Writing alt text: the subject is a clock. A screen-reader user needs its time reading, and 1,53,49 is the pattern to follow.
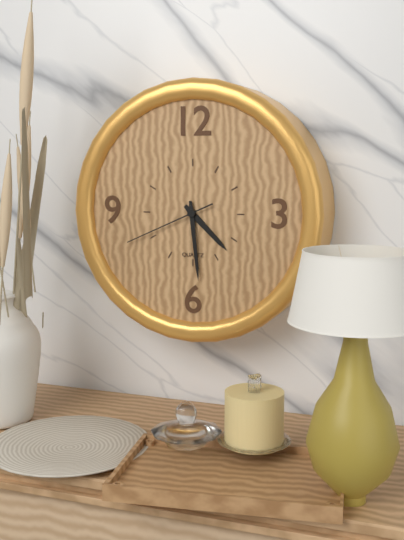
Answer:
4,29,41
